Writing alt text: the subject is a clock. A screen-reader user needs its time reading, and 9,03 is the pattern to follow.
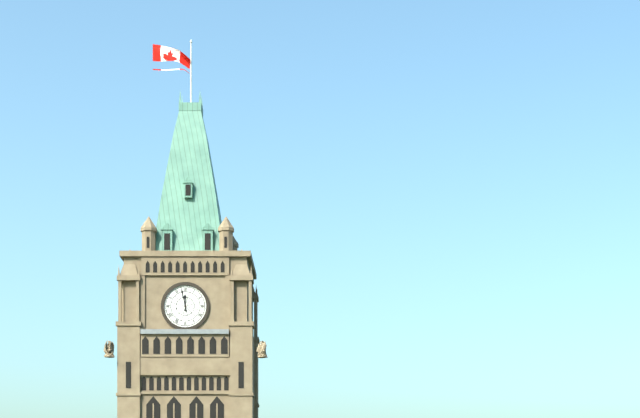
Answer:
11,58
